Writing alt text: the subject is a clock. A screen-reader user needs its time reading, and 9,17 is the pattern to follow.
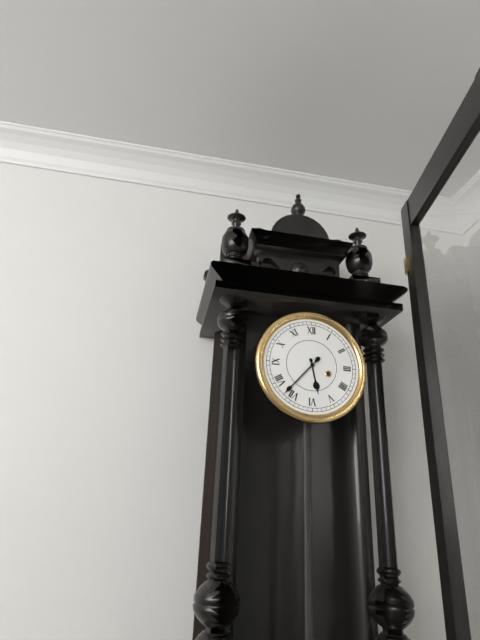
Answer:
5,37
